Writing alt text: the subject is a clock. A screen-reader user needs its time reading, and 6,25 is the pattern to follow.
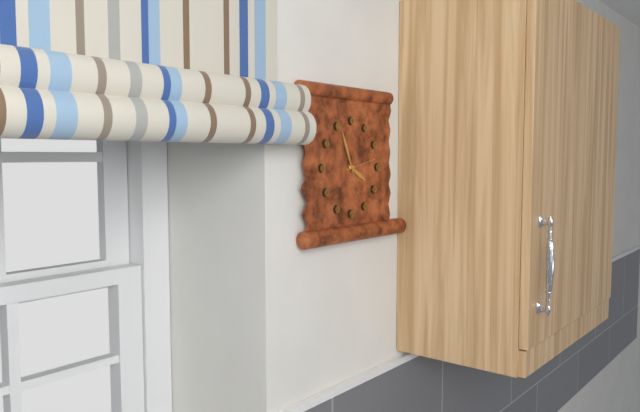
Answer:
3,56
